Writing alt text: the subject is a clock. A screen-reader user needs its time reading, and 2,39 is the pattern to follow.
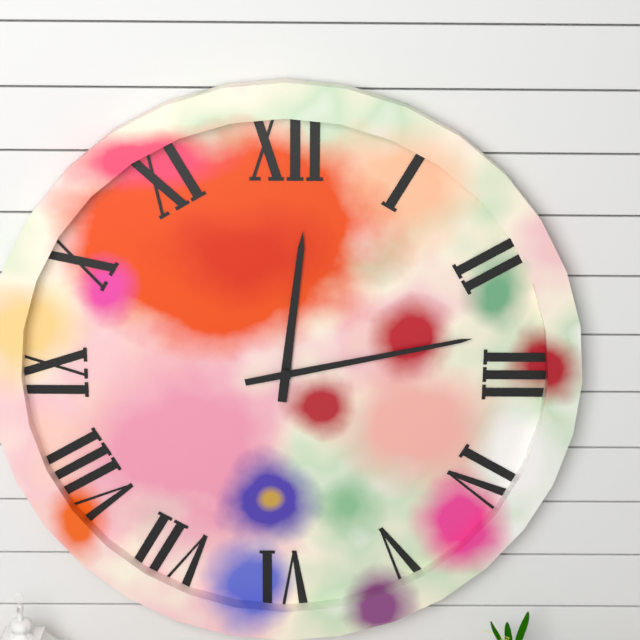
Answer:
12,13
